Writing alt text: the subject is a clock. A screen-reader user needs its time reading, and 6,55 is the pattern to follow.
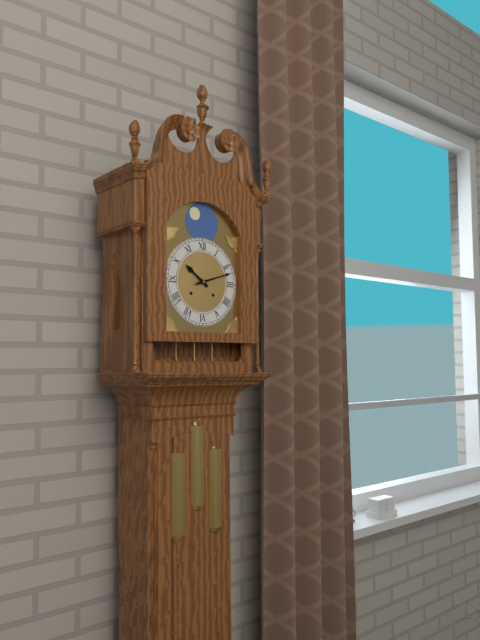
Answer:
10,12
